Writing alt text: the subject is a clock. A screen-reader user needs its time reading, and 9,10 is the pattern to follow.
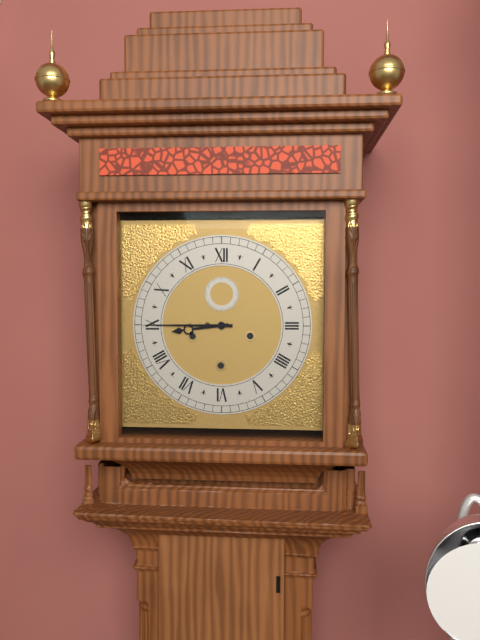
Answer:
8,45
